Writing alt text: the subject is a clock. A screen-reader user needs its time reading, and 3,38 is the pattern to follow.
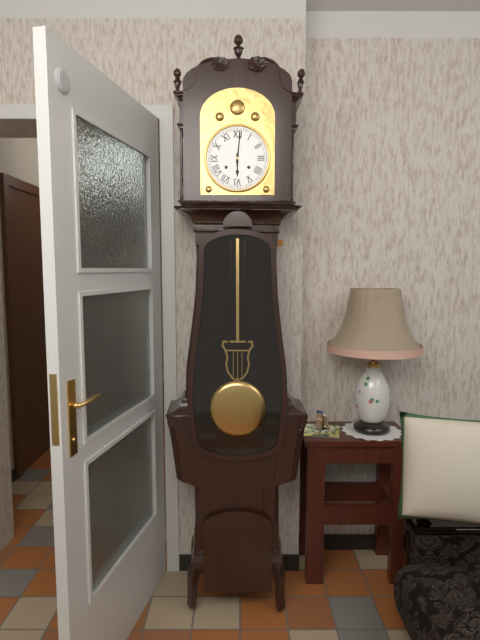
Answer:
6,01
